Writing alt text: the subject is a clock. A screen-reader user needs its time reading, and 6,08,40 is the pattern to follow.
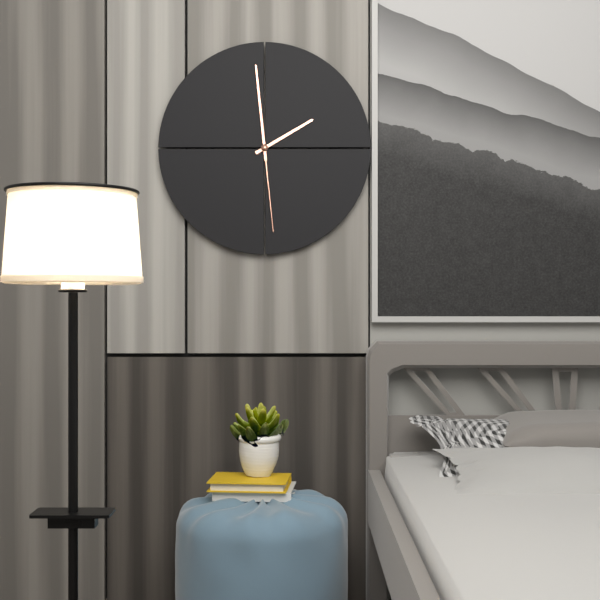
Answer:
1,59,29
